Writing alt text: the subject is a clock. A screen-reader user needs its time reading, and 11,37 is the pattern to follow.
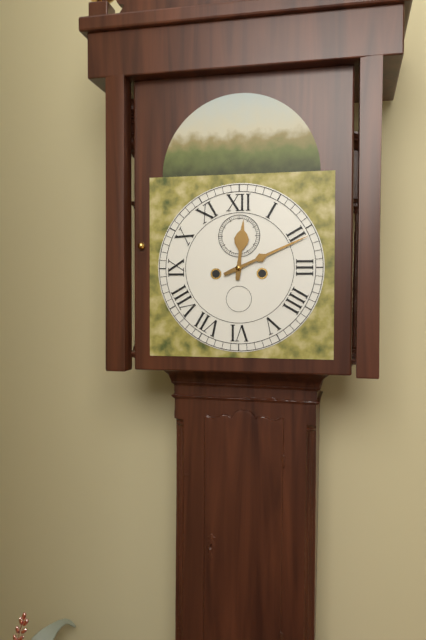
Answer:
12,11
